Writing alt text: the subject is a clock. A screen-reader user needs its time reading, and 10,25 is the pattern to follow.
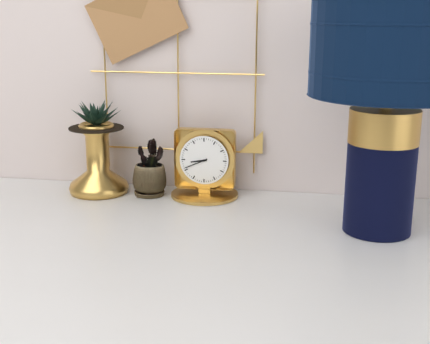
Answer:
8,41
